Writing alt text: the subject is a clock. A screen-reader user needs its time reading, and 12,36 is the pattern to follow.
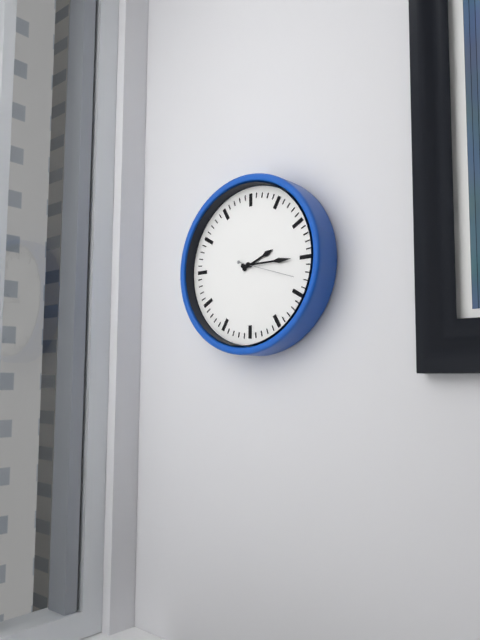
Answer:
2,15
